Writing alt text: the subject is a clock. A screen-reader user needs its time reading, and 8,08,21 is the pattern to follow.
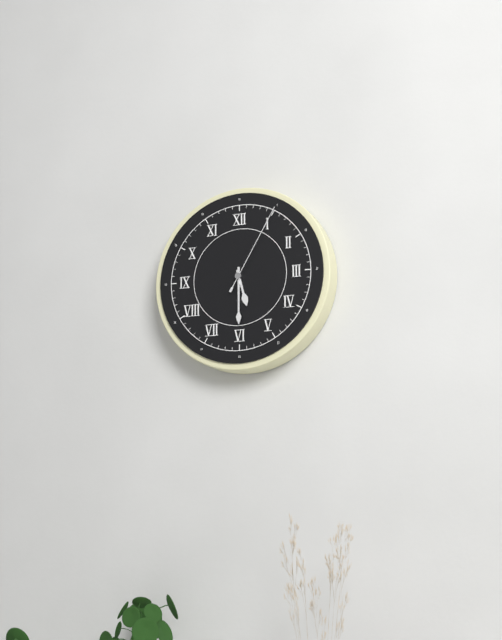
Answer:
5,30,05
